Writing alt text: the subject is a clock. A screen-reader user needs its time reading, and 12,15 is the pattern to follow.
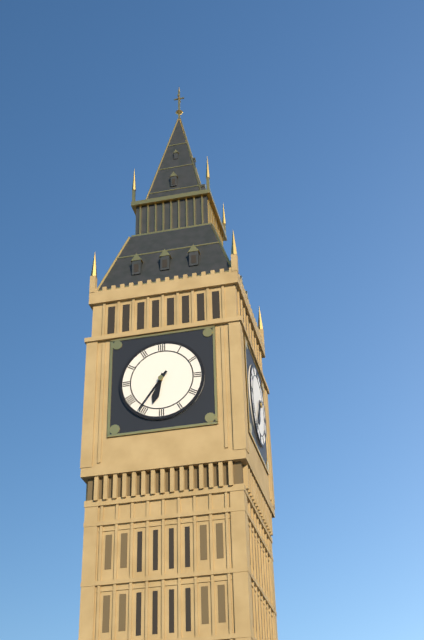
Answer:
6,36
